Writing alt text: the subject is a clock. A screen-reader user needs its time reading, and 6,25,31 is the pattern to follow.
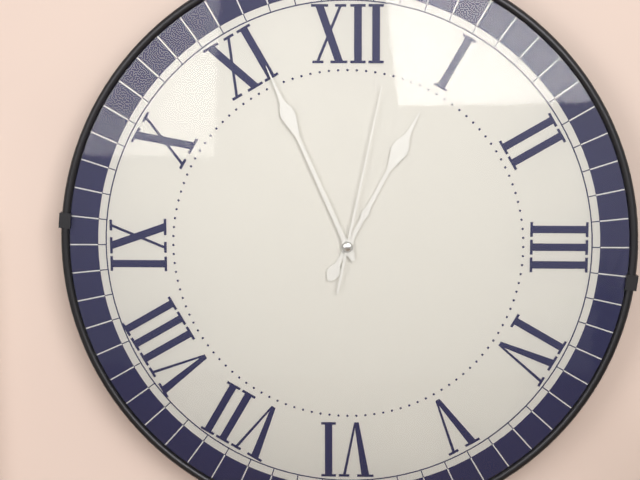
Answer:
12,56,02
